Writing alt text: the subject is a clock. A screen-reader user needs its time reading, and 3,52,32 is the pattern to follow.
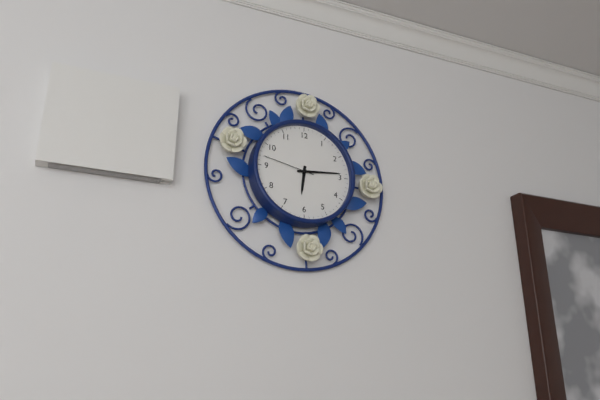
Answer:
6,14,47
